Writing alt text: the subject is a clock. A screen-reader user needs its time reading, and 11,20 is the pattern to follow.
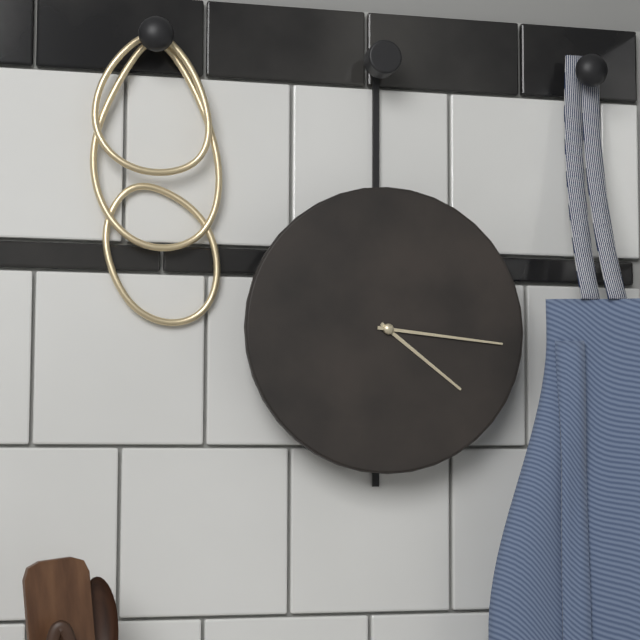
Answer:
4,16
